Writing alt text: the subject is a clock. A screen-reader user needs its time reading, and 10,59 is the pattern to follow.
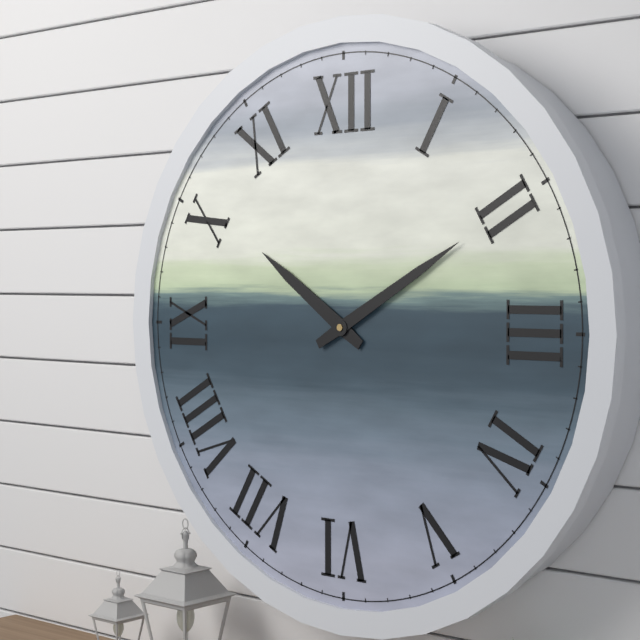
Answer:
10,10
